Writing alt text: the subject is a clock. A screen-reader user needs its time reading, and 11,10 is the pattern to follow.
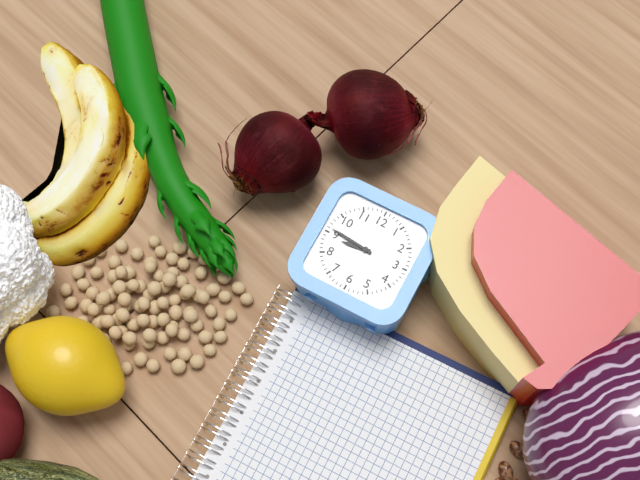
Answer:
8,46
